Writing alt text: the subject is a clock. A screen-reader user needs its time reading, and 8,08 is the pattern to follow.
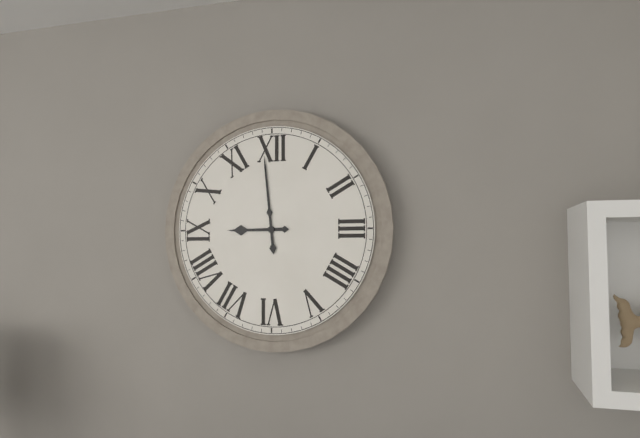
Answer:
8,59
